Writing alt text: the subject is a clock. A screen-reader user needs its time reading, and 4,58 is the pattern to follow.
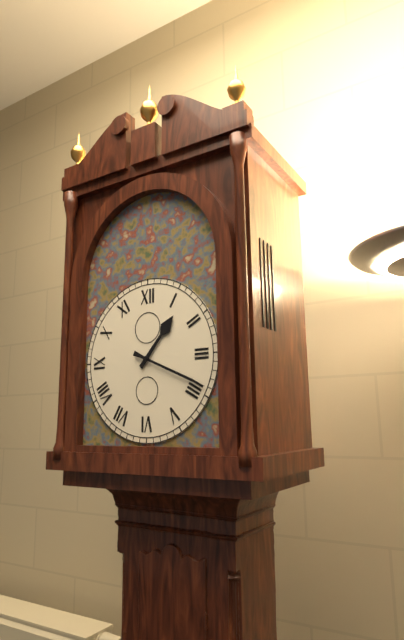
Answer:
1,19
